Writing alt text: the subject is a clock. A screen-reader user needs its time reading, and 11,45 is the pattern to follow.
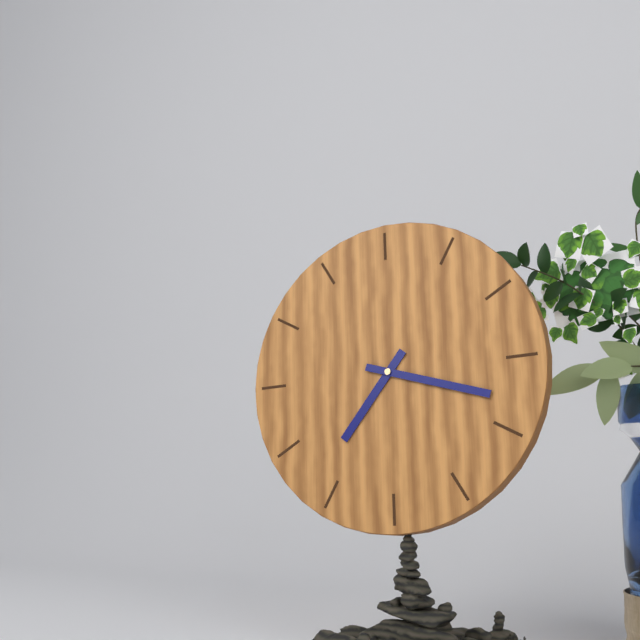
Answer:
7,18
